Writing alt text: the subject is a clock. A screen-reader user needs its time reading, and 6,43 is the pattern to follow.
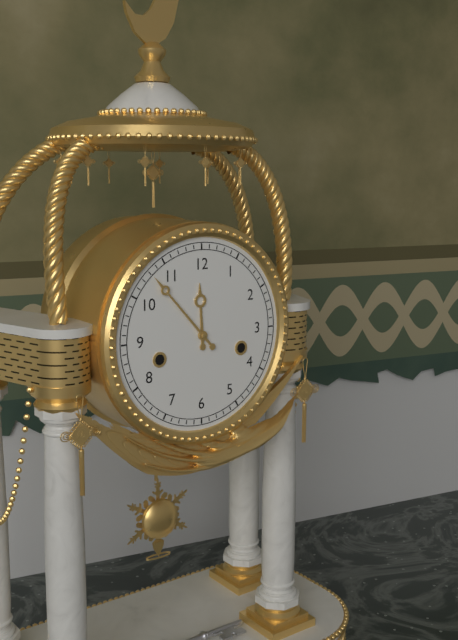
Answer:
11,53
